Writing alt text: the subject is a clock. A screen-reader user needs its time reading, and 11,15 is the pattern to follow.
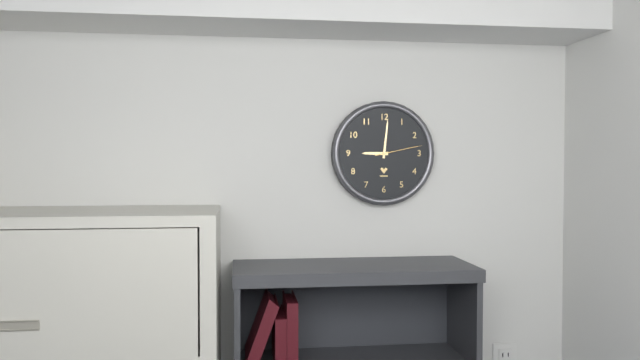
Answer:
9,01
